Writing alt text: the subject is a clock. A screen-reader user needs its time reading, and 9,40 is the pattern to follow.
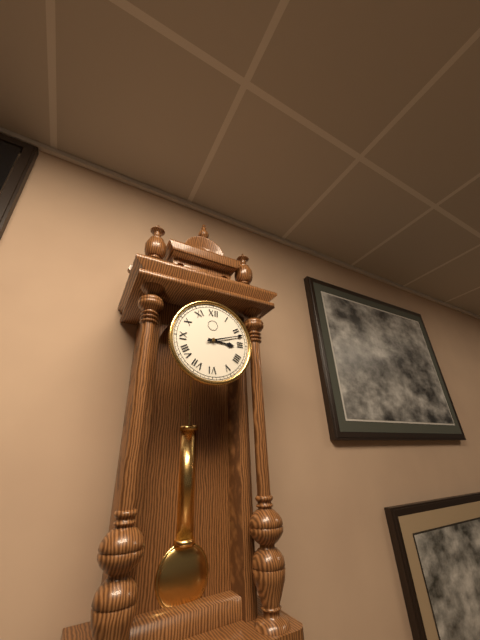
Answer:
3,12
